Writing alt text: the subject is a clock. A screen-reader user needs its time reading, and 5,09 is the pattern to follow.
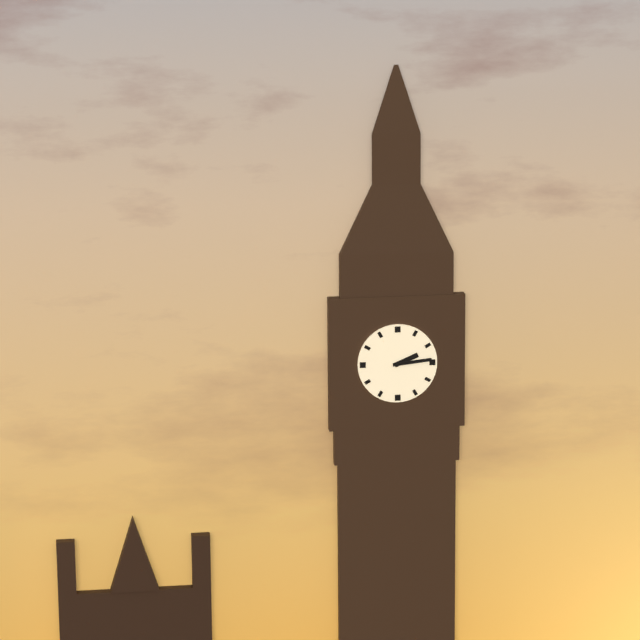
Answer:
2,14
